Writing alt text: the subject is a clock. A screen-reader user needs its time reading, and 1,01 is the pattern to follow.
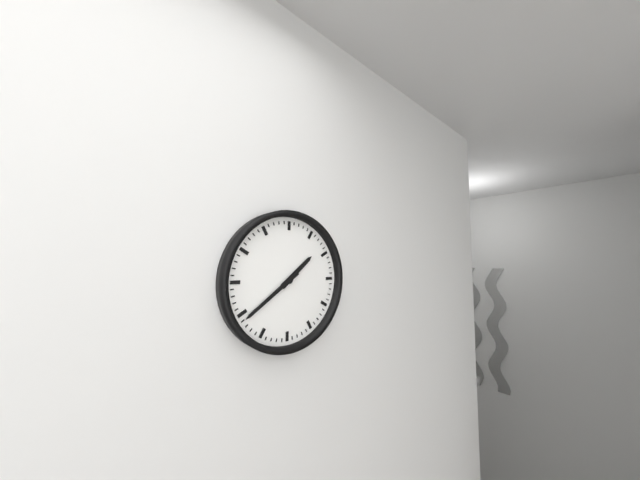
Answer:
1,39
